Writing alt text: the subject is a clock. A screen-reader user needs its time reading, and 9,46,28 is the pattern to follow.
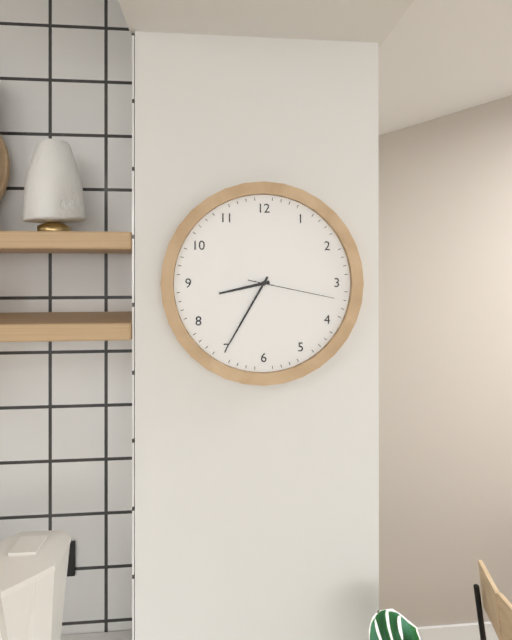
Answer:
8,35,17
